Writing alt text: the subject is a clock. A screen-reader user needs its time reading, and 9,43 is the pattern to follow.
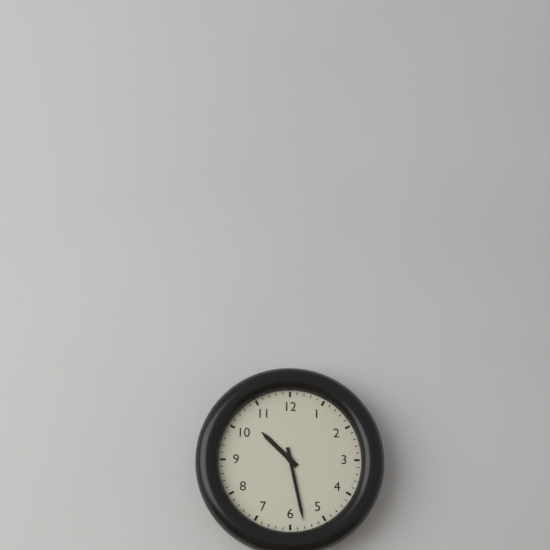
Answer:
10,28
